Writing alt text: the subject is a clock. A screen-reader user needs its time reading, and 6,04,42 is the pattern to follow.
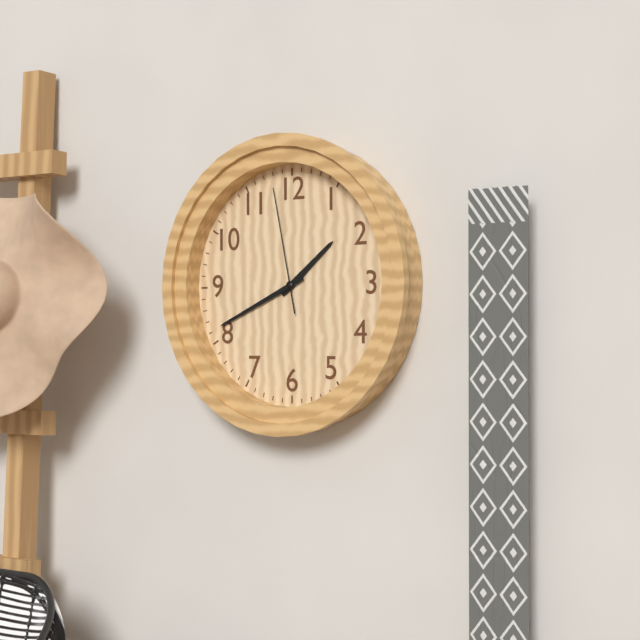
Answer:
1,41,58
